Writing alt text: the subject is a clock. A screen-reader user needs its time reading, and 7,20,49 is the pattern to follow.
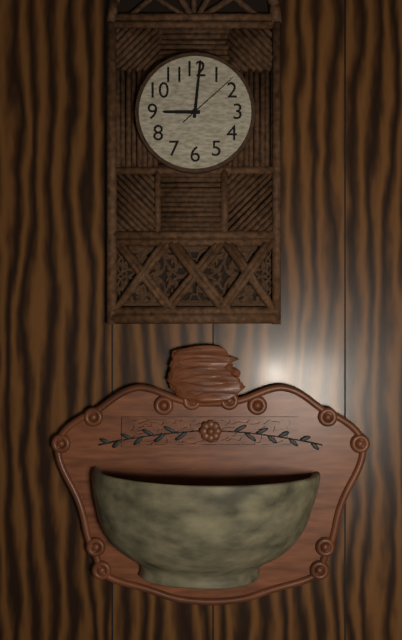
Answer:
9,01,08
